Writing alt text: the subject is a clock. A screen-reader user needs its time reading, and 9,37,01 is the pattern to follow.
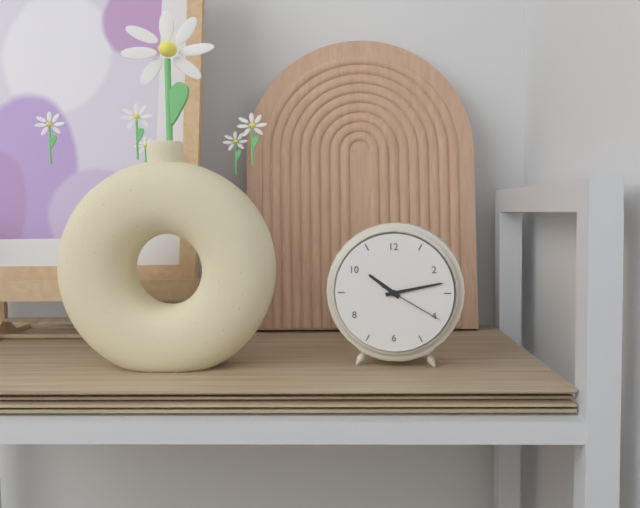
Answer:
10,13,20
